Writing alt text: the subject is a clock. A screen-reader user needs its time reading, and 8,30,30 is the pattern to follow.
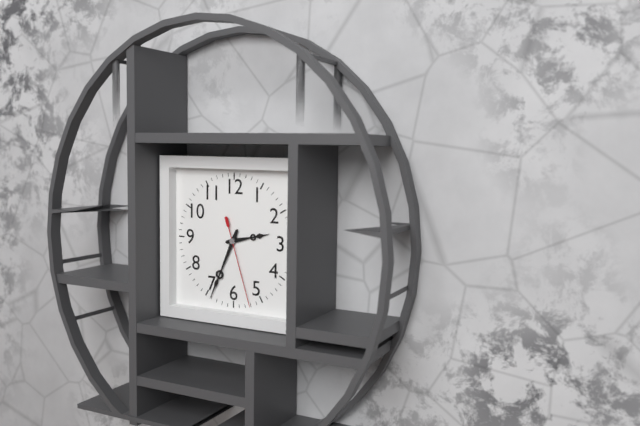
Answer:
2,34,27
